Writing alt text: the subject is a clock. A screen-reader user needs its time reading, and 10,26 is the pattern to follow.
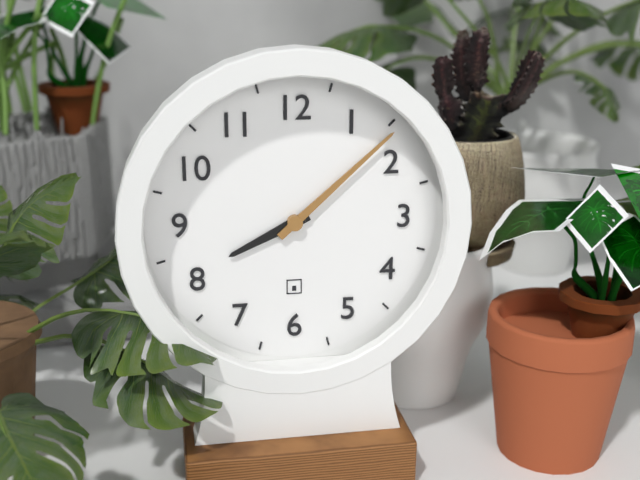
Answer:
8,08
